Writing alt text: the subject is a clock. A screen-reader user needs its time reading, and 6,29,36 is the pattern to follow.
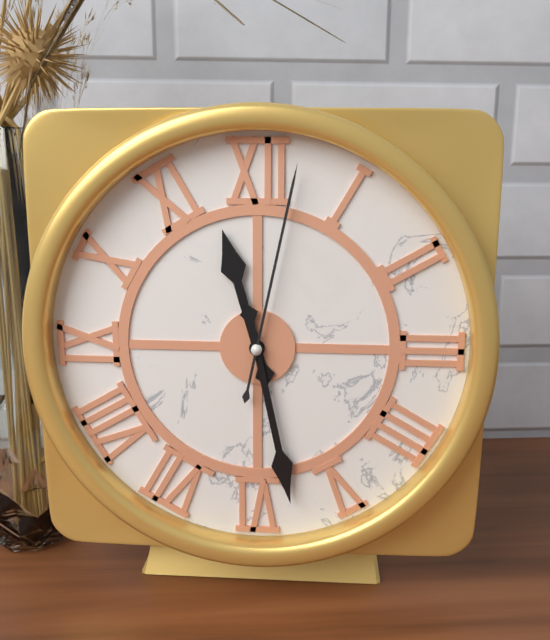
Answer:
11,28,02
